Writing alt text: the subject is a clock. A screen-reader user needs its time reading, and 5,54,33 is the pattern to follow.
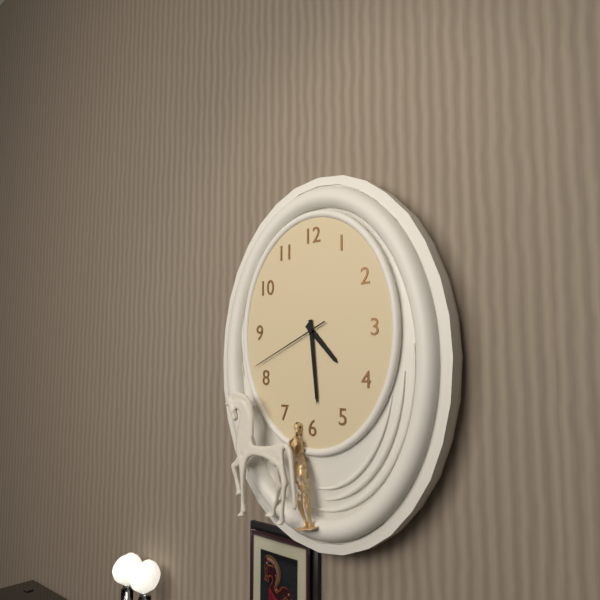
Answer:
4,29,41
